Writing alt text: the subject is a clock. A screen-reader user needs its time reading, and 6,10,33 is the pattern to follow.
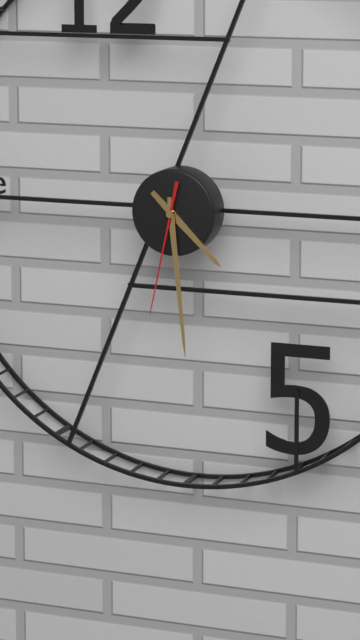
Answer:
4,29,32
